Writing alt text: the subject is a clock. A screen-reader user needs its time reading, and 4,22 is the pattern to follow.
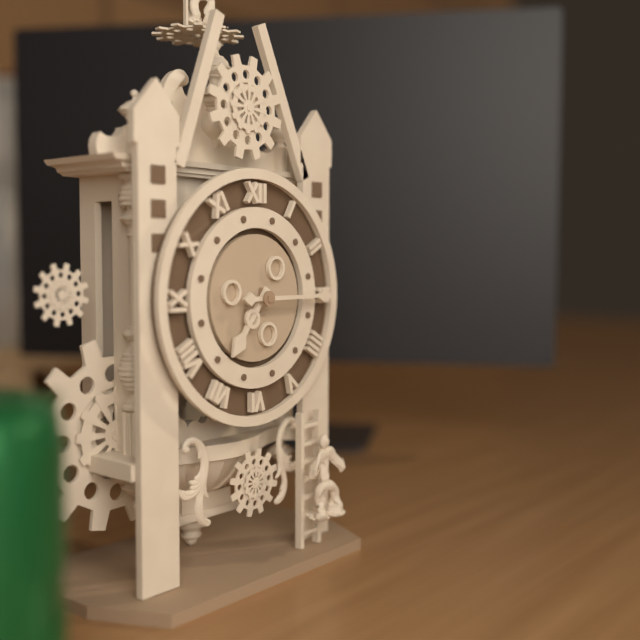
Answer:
7,15
